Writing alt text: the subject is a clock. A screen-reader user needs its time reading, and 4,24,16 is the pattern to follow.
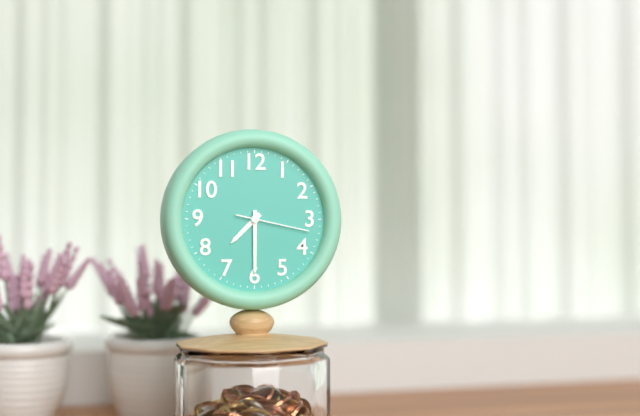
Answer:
7,30,17
